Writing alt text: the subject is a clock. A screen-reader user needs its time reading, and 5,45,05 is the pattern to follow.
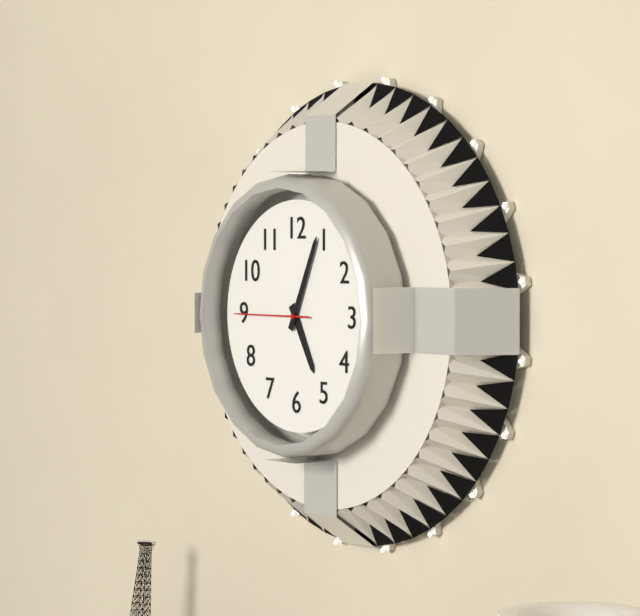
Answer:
5,04,45
